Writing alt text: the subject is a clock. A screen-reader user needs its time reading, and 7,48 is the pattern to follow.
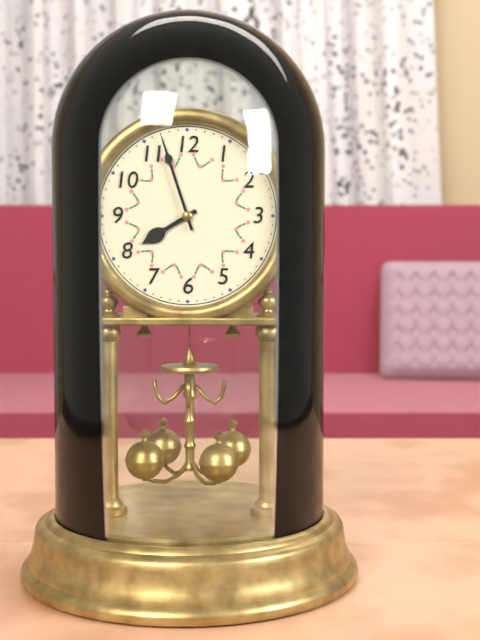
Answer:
7,57
